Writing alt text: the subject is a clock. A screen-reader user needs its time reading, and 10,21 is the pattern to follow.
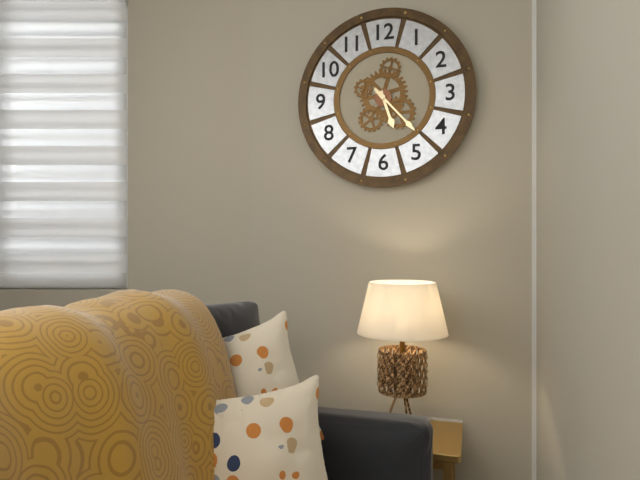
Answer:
5,23
